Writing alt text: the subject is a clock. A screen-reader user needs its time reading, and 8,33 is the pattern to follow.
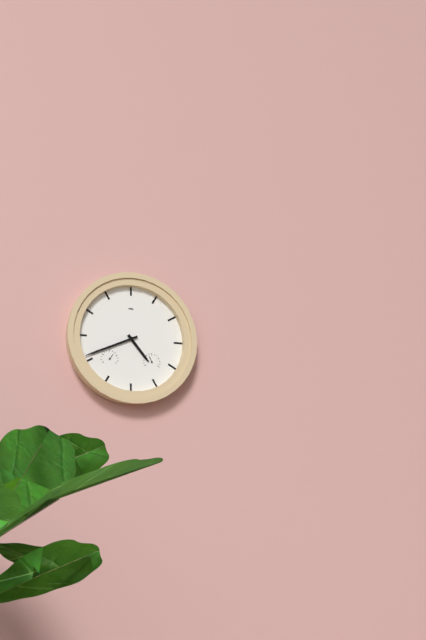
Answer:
4,41
